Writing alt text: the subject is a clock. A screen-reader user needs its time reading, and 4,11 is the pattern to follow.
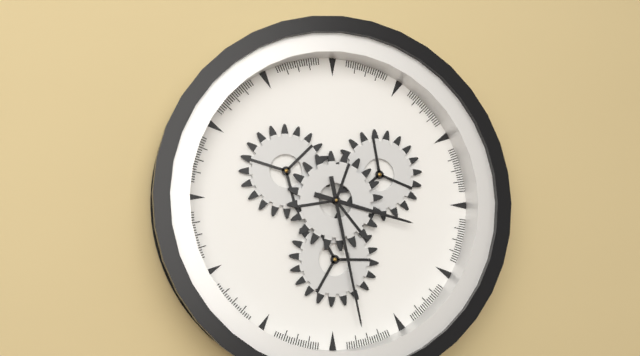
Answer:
3,28
